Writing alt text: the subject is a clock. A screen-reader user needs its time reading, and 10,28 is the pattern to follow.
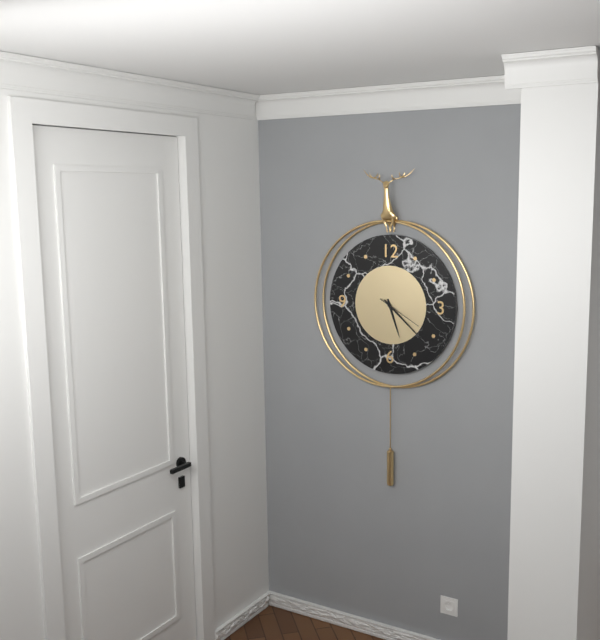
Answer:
5,22
